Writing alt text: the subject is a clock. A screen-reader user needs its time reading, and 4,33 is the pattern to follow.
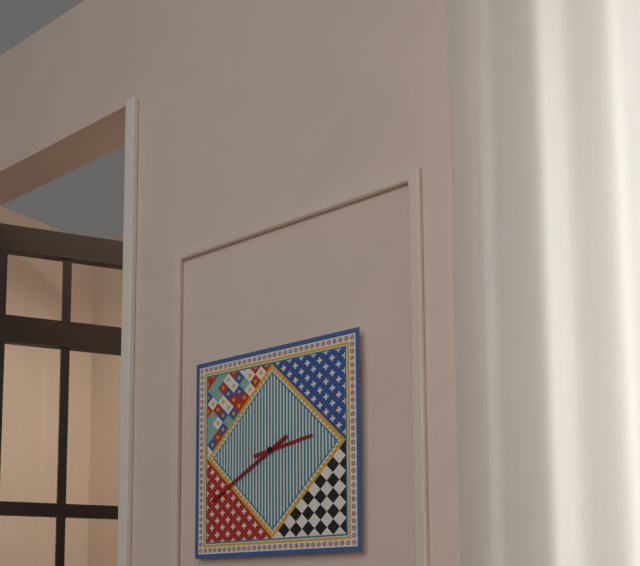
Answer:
2,40
